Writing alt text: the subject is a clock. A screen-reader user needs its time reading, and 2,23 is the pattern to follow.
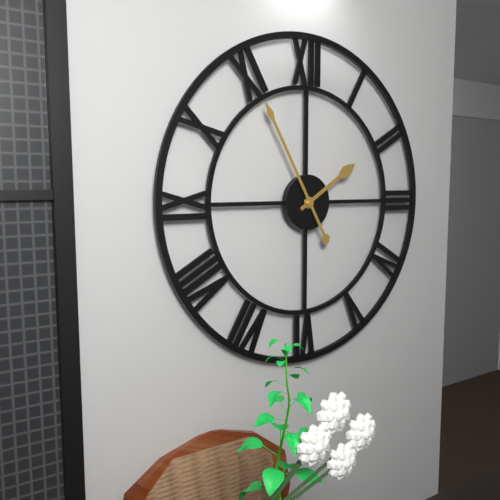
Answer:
1,55
